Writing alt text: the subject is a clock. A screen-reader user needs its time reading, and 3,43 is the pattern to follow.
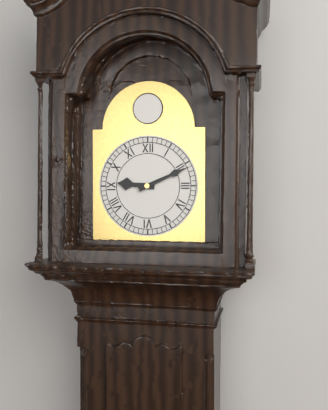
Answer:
9,11
